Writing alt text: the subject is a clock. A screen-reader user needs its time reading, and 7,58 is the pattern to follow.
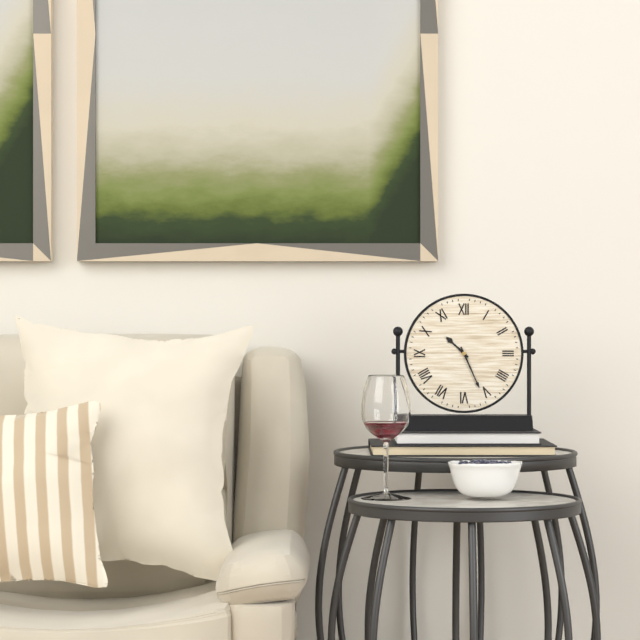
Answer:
10,26
